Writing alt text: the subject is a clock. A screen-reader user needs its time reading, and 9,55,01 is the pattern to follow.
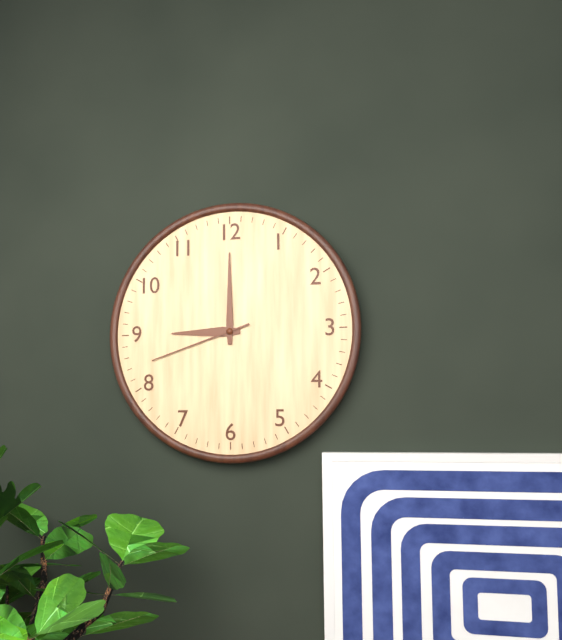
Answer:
9,00,42
